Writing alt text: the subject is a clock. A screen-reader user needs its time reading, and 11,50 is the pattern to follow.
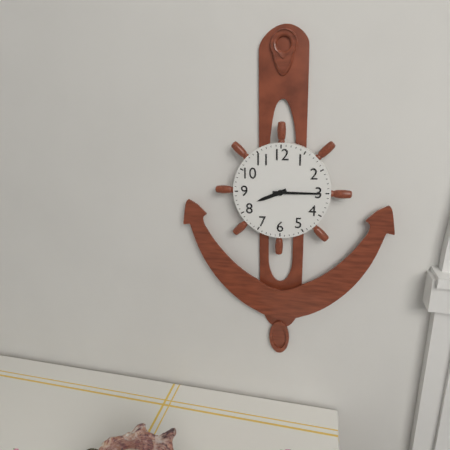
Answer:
8,15
